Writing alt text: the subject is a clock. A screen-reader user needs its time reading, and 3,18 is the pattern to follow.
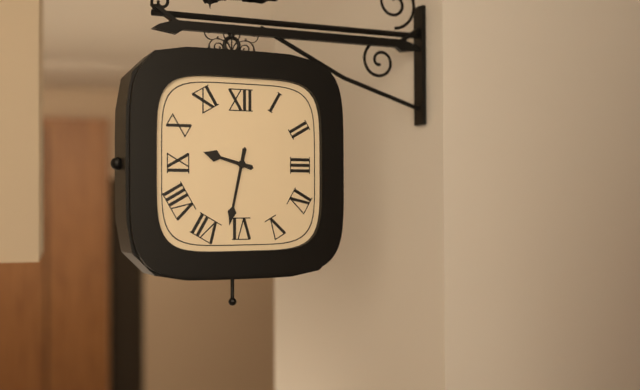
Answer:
9,32
